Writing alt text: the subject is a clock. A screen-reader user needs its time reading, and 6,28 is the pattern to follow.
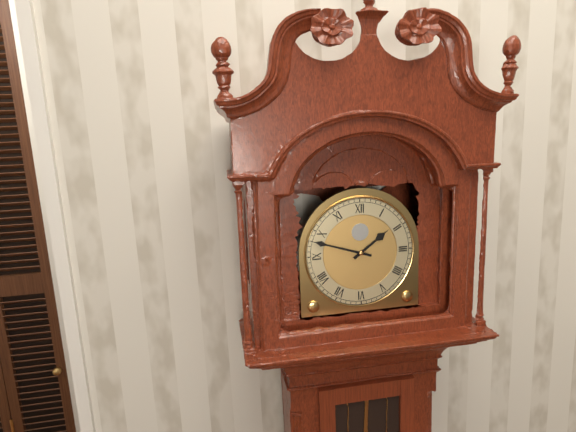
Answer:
1,48
